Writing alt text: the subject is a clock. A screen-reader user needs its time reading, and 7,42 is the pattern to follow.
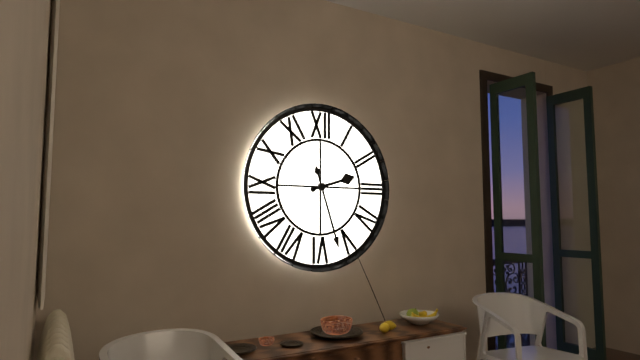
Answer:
2,27
